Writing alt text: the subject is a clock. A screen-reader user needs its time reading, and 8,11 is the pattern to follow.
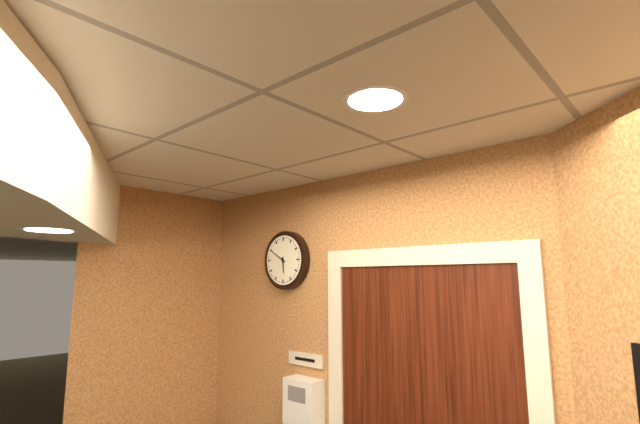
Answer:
5,50
